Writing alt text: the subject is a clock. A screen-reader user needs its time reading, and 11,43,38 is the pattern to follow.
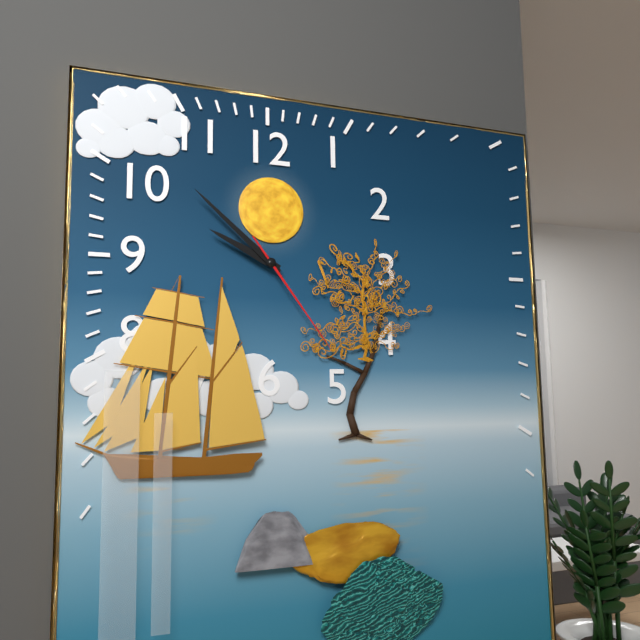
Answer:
9,52,24
